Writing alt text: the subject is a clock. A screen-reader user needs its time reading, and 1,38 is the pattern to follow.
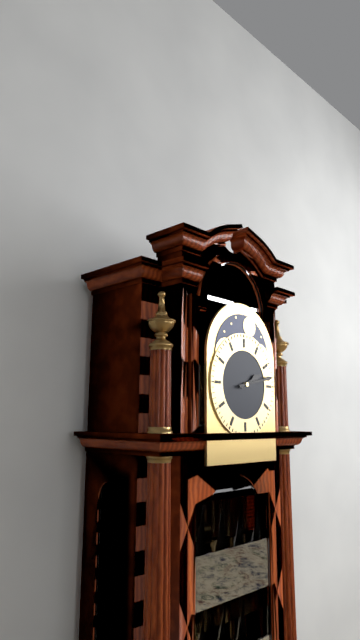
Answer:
2,13
